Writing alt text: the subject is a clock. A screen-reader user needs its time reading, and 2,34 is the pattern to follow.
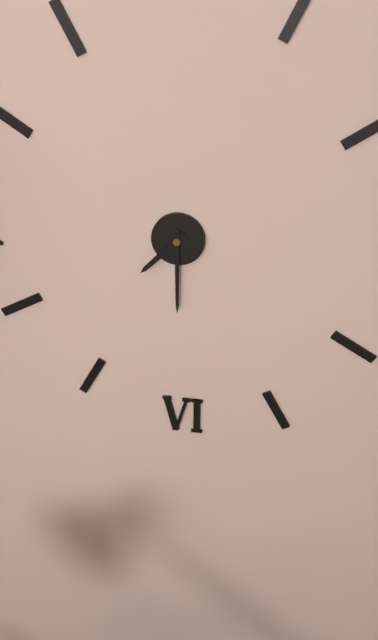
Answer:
7,30
